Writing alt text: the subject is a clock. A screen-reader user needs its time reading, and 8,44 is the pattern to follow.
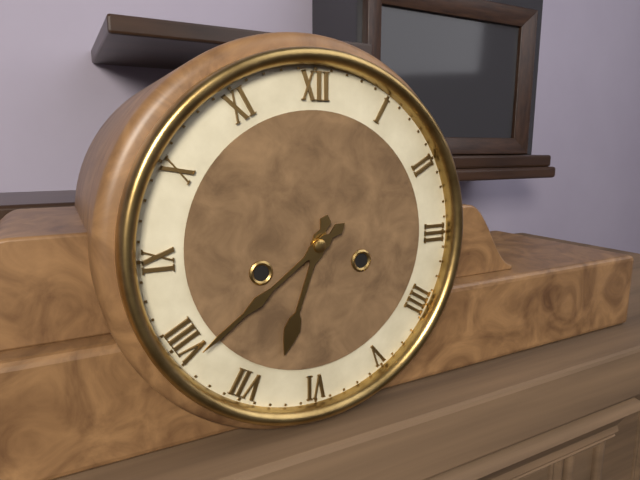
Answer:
6,39
